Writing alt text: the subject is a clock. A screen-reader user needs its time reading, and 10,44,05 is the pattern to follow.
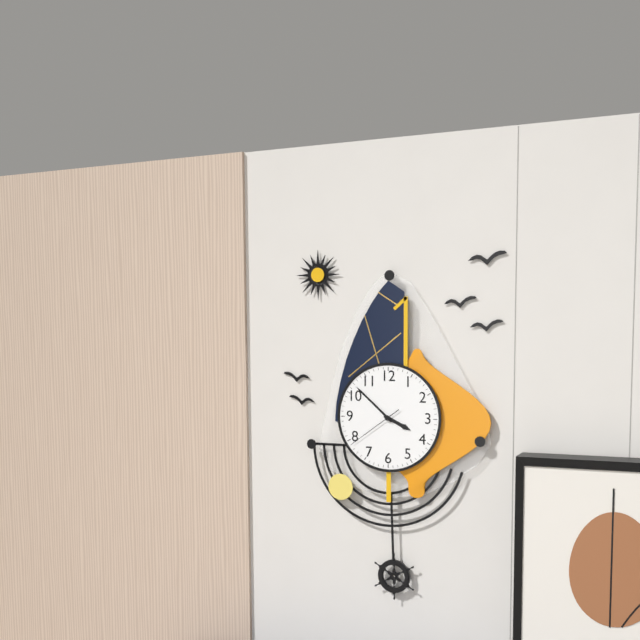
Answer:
3,52,39
